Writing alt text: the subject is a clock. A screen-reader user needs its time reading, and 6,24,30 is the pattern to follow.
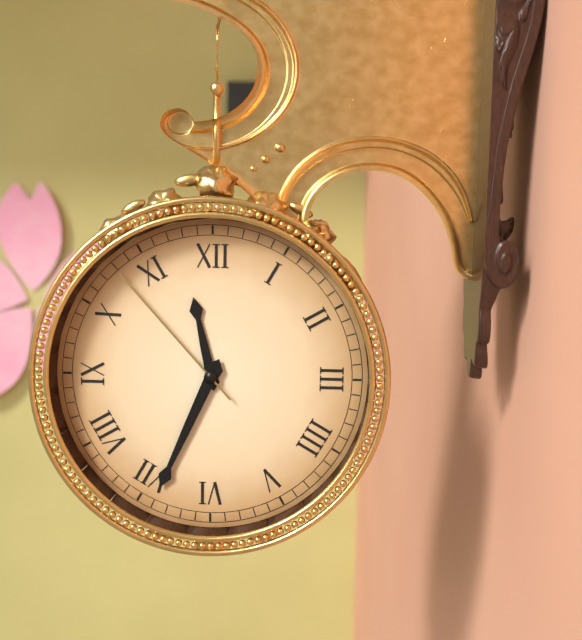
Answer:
11,34,53
